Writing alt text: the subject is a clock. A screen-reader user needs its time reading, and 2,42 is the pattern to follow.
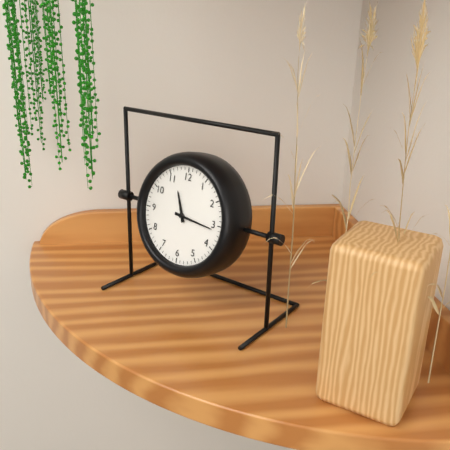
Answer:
11,16
